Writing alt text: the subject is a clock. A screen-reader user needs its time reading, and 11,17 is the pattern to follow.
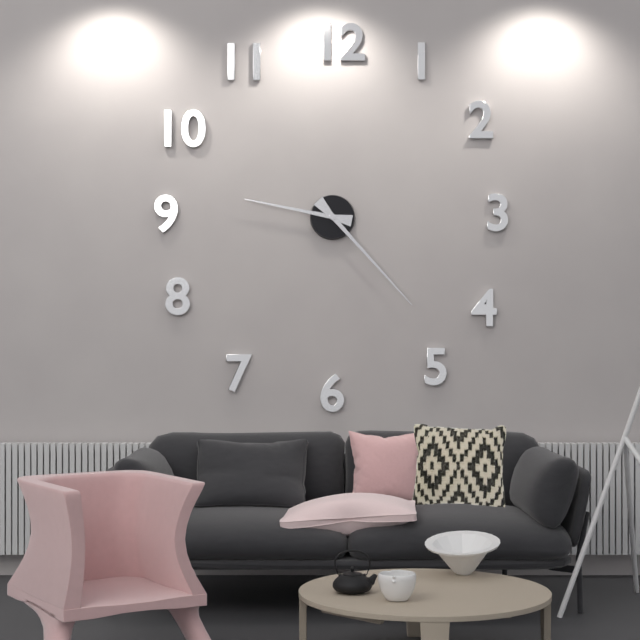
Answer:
9,23
